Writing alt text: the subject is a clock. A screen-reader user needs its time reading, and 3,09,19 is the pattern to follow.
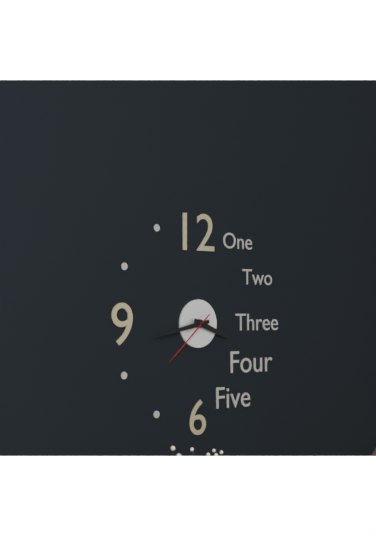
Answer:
3,43,38
